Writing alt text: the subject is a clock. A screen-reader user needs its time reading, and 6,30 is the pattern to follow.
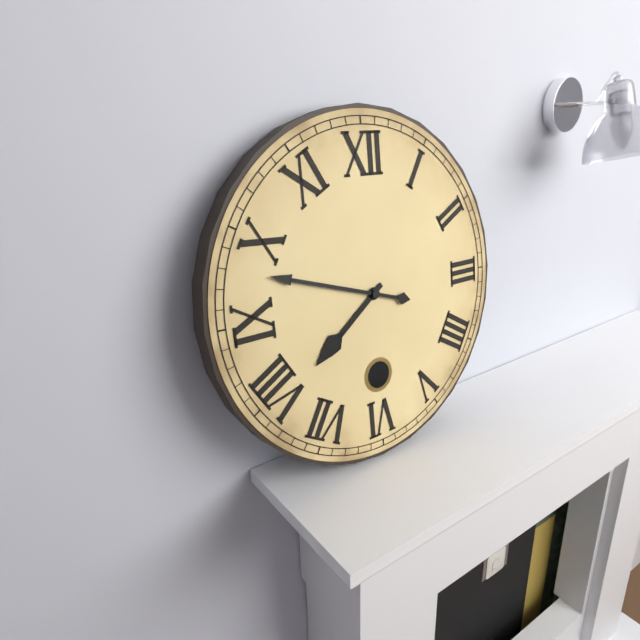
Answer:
7,48
